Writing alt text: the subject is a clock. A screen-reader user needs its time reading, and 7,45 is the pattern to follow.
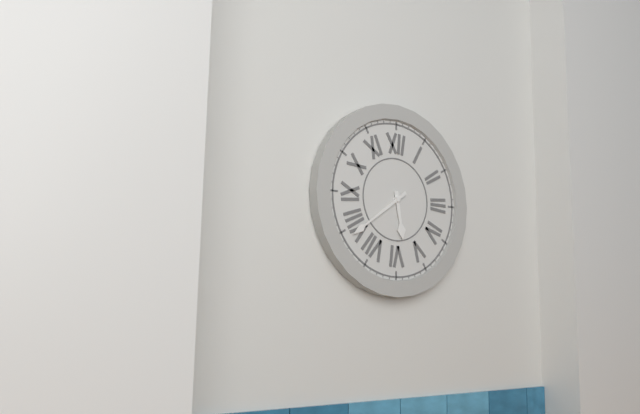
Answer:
5,39
